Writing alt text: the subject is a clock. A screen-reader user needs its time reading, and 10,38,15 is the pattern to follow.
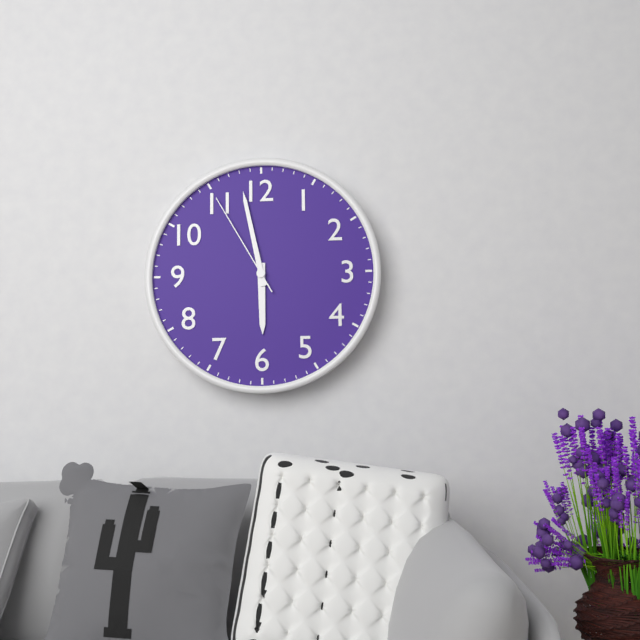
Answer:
5,58,55
